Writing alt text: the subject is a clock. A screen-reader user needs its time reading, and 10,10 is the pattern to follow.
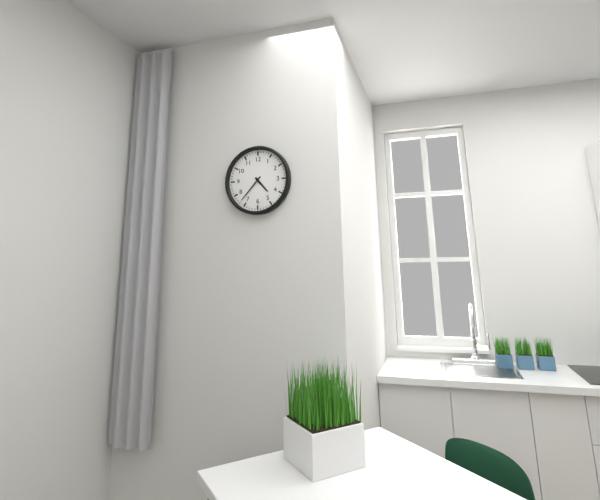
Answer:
4,37
